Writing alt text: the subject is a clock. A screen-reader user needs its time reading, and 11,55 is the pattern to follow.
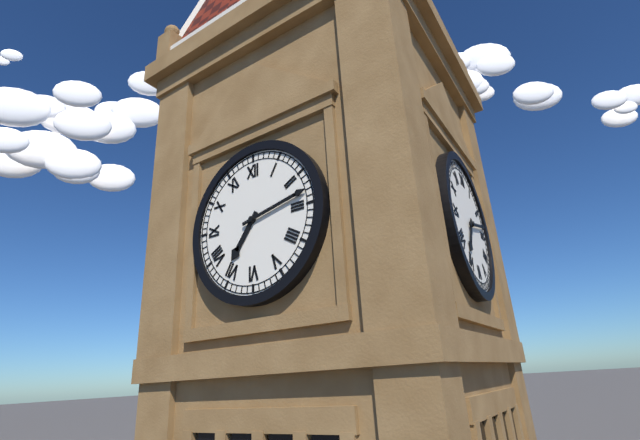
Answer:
7,13
